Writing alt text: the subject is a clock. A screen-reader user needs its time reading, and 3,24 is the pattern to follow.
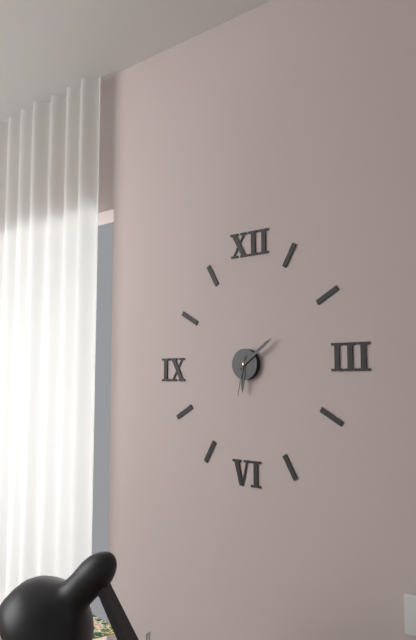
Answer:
6,09
